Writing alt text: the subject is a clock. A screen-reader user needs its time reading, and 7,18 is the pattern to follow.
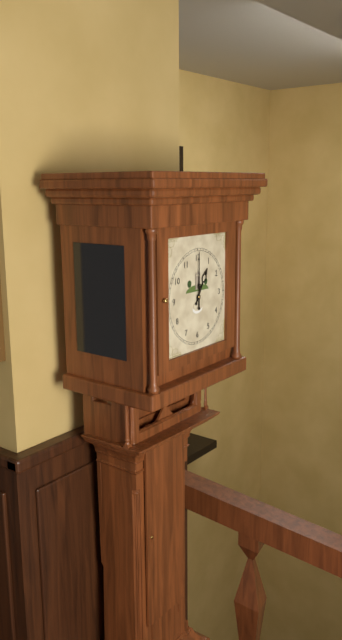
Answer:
1,00
